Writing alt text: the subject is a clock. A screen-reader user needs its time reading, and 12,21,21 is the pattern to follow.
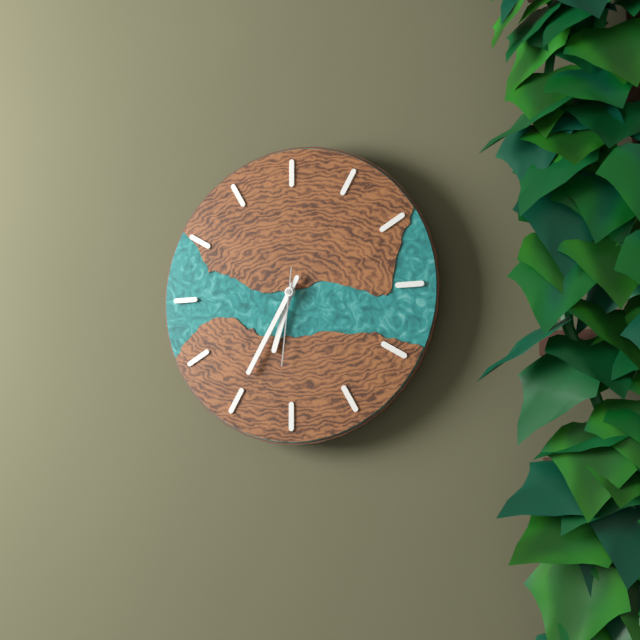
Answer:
6,35,31
